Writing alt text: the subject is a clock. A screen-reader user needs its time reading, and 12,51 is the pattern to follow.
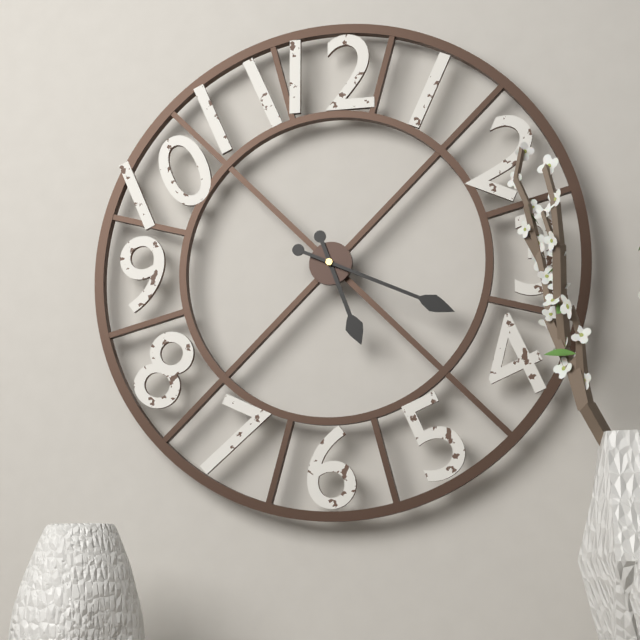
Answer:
5,19
